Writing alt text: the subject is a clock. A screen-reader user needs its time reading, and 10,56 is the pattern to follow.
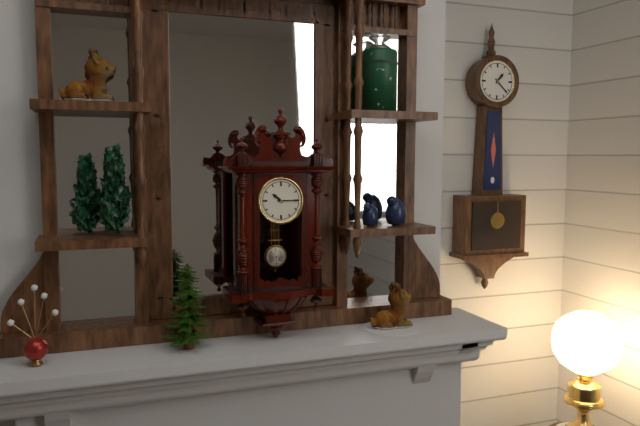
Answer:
10,15
